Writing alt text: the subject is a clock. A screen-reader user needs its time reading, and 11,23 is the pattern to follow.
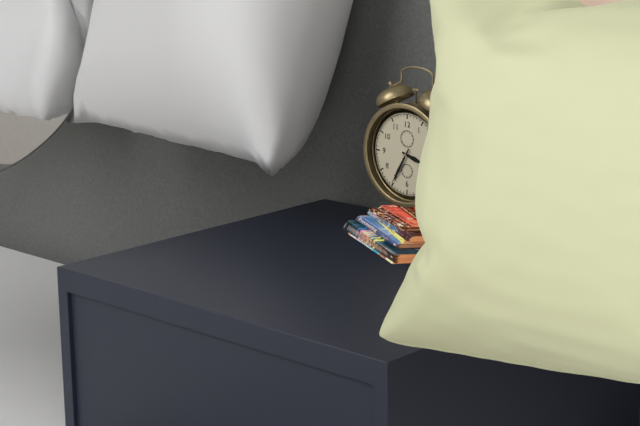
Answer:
3,35
